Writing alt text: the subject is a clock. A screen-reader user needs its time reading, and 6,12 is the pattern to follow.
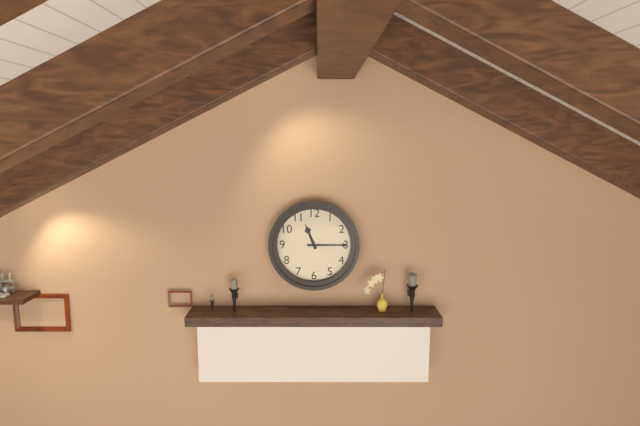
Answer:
11,15
